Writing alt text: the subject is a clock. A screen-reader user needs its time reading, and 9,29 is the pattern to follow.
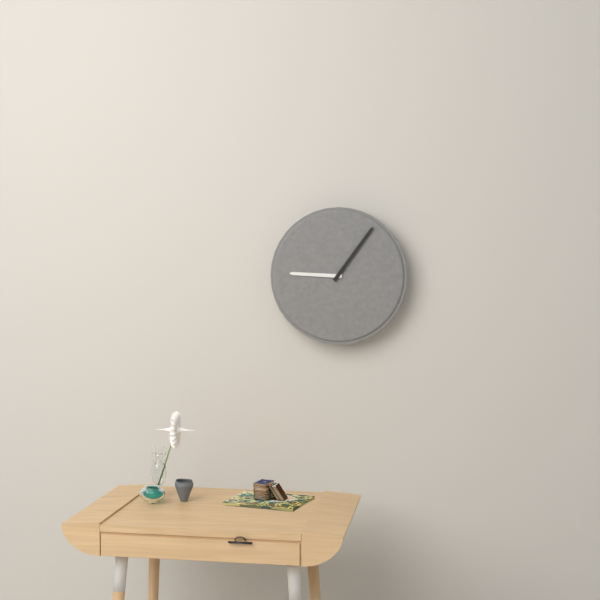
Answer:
9,06
